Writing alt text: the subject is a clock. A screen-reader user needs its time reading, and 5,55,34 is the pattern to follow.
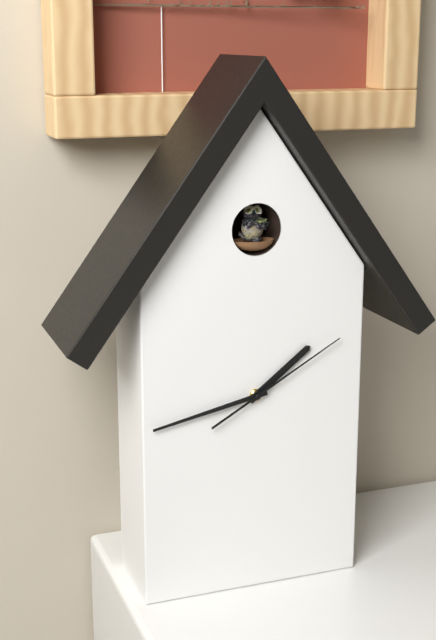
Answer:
1,43,10
